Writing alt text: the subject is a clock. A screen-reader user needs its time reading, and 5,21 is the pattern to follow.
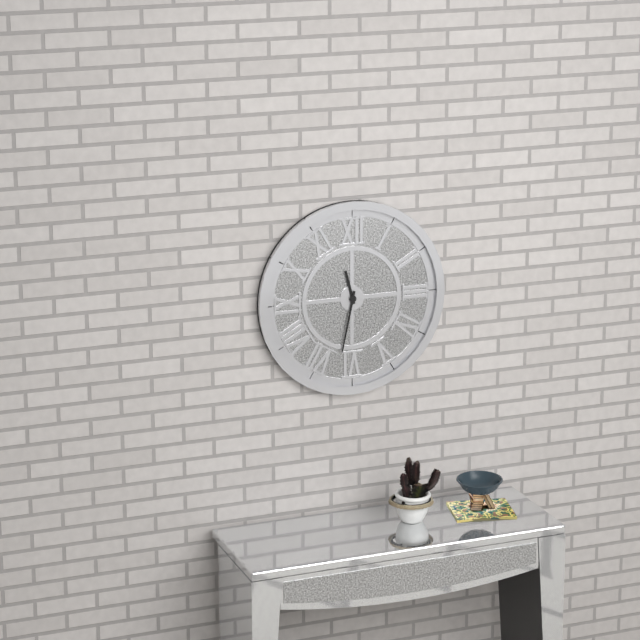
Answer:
11,32
